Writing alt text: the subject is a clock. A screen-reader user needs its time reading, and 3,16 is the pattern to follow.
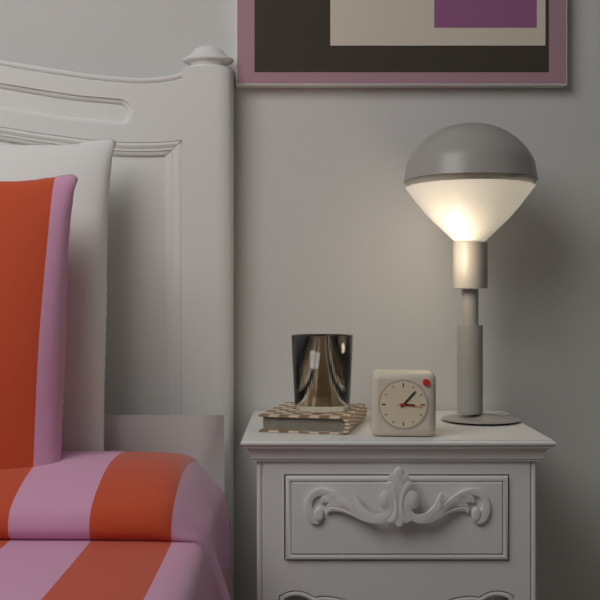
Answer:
3,07
